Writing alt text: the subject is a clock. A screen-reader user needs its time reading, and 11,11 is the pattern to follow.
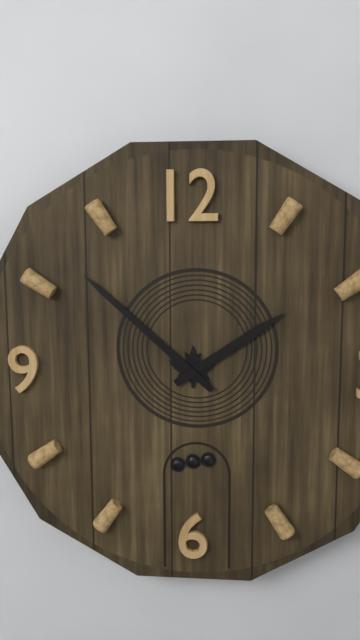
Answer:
1,52
